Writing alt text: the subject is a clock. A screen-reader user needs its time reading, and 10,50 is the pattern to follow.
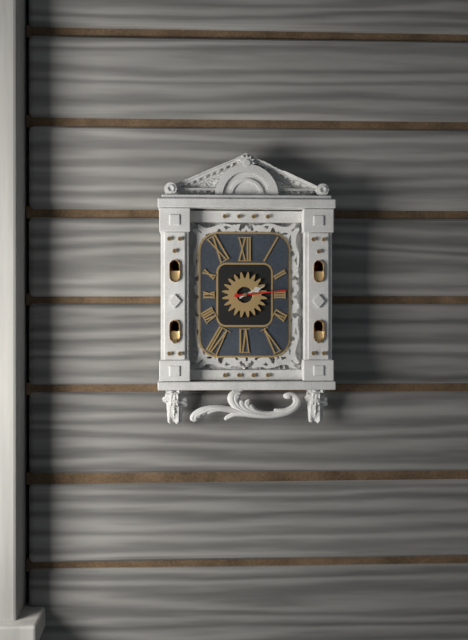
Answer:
2,14
